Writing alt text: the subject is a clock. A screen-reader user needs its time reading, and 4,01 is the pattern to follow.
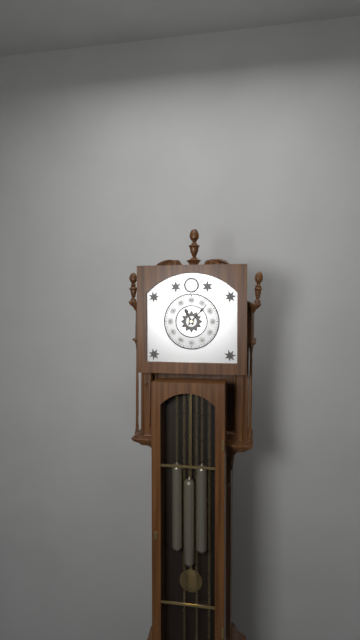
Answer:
11,07
